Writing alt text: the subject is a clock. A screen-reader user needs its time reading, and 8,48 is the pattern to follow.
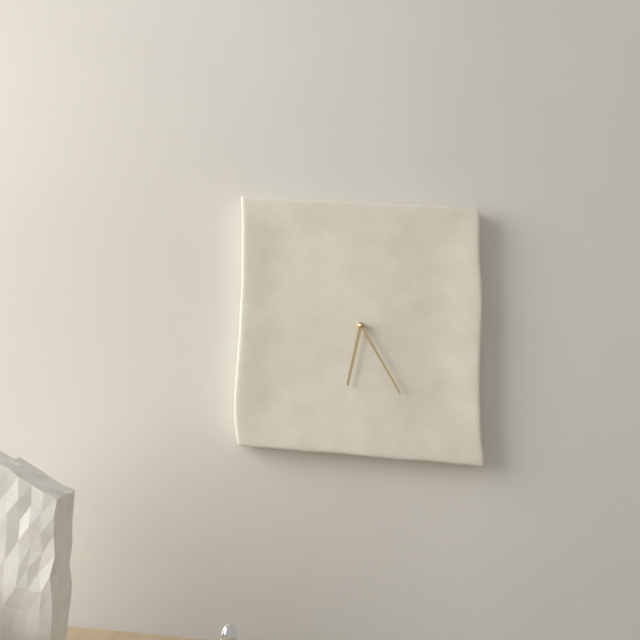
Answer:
6,25
